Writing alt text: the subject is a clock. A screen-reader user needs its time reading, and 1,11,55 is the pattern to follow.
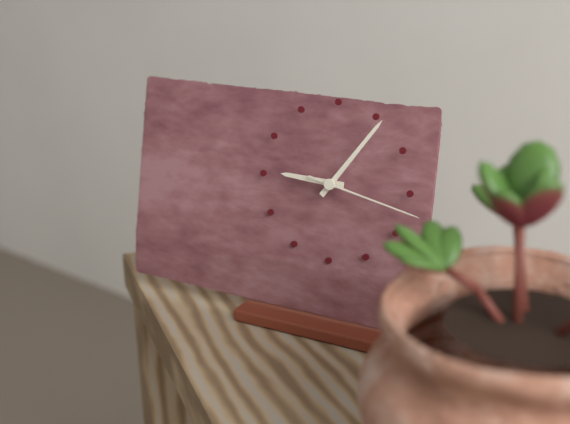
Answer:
9,06,17
